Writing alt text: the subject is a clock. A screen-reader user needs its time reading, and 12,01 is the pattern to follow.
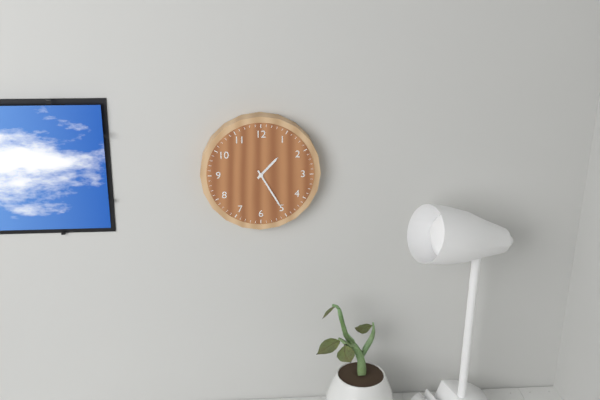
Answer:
1,25
